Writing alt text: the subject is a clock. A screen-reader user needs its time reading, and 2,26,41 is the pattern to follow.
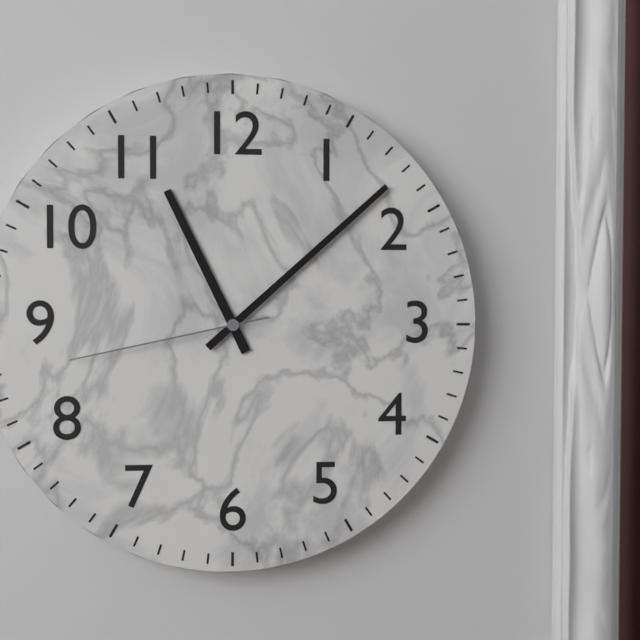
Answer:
11,08,43
